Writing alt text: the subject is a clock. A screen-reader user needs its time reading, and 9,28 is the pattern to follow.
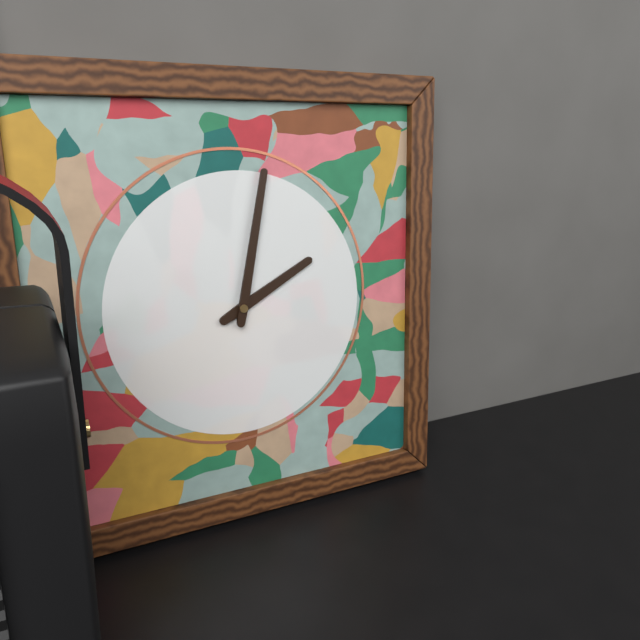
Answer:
2,02
